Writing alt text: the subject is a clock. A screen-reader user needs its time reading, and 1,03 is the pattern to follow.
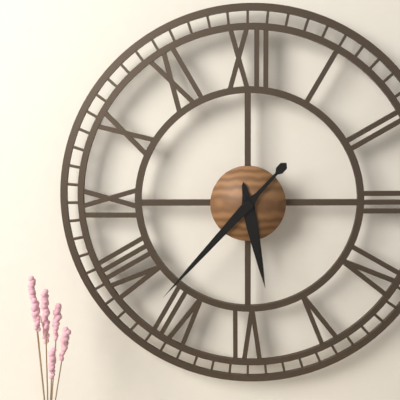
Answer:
5,37
